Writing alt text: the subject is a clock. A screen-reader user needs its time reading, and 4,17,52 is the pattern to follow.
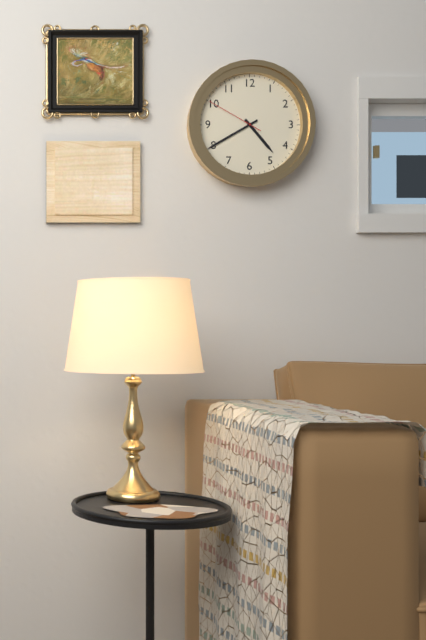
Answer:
4,40,50
